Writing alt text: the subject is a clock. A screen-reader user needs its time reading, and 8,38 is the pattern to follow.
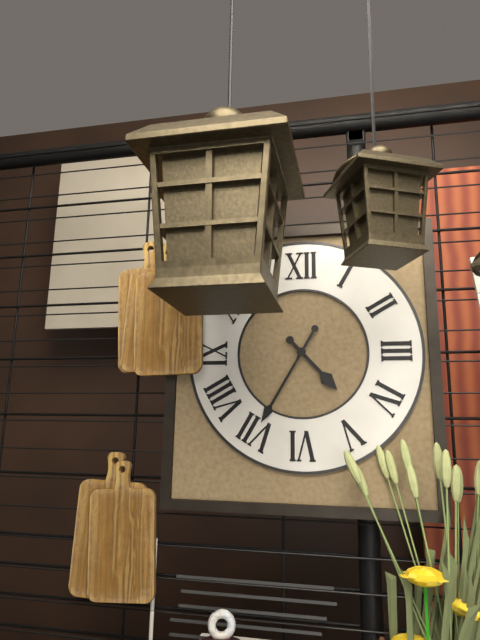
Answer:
4,35
